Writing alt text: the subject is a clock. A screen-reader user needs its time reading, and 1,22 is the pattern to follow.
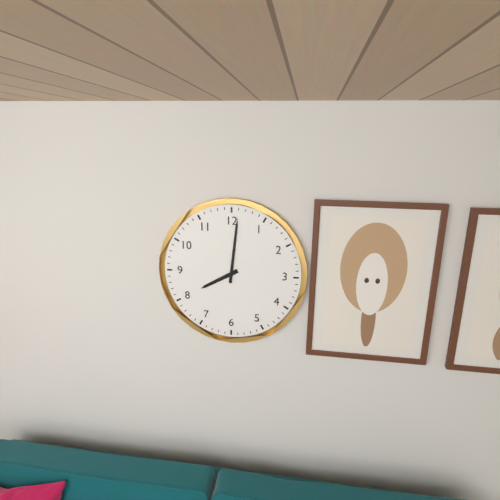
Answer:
8,01
